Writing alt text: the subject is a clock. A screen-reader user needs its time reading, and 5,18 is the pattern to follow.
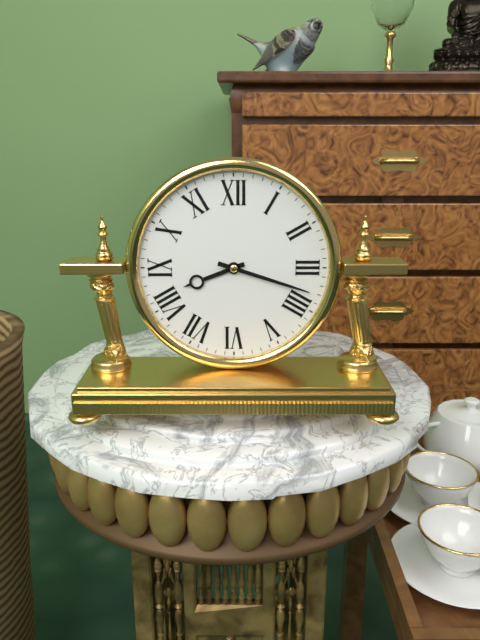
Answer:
8,18
